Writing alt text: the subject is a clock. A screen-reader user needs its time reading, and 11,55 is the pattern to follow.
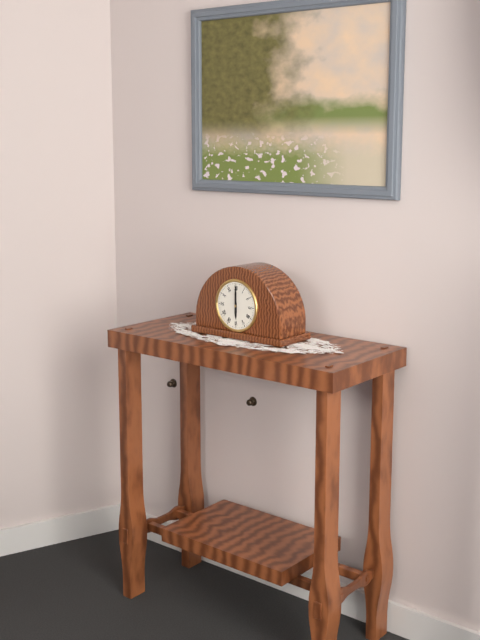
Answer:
6,00
